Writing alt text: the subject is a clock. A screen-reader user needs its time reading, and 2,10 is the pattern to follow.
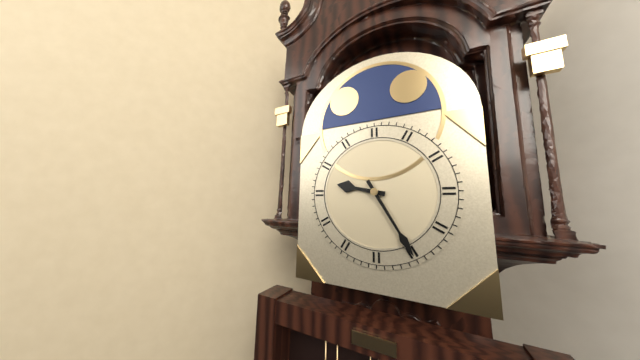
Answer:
9,25
